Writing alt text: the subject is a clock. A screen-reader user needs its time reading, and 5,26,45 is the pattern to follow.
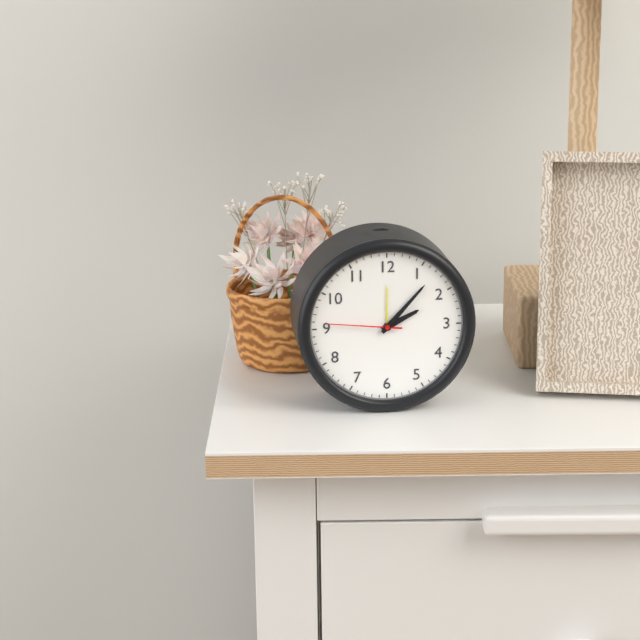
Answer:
2,07,46
